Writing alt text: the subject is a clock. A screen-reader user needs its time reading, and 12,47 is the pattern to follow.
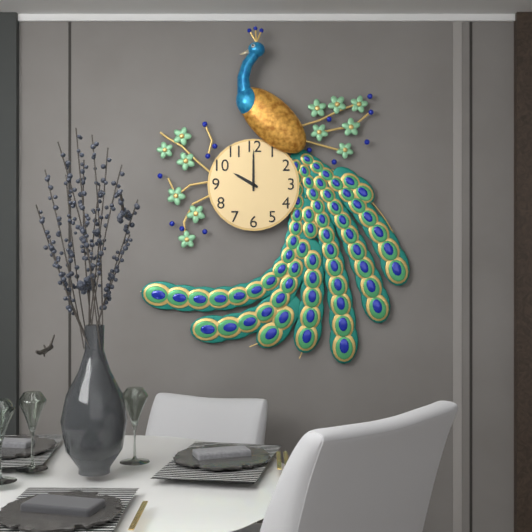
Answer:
10,00
